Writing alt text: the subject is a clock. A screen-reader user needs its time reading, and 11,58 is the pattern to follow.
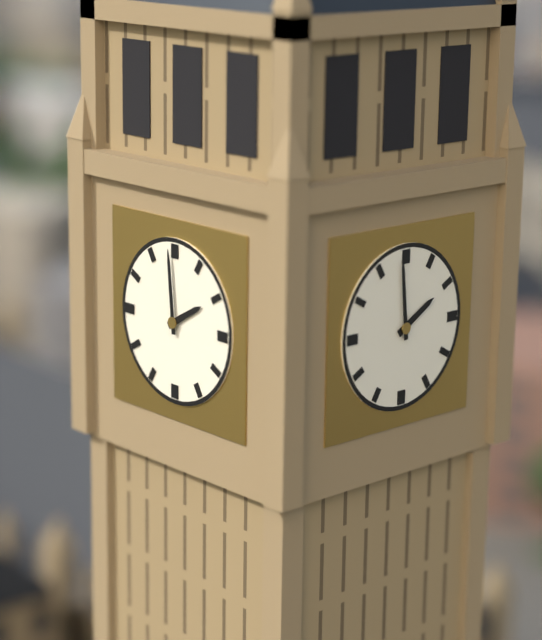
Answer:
1,59
